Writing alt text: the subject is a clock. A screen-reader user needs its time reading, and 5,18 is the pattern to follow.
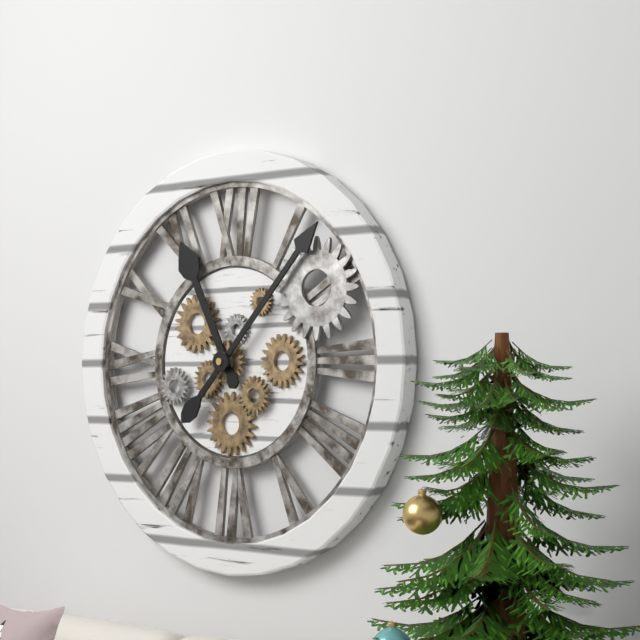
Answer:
11,07
